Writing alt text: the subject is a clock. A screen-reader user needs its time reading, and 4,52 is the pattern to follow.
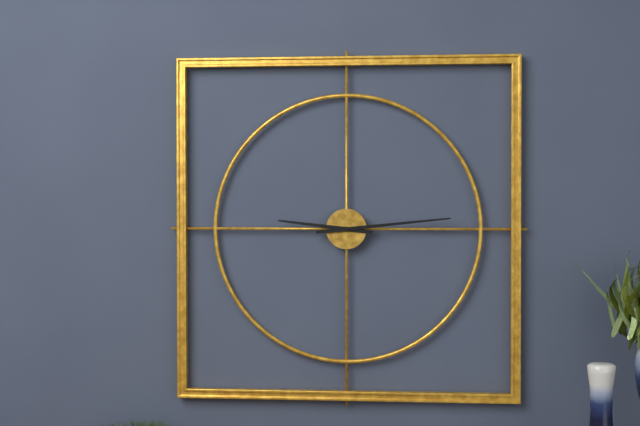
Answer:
9,14
